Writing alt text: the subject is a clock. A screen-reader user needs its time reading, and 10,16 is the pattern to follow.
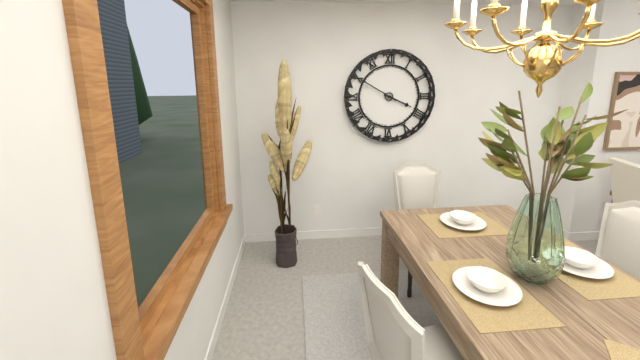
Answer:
3,50
